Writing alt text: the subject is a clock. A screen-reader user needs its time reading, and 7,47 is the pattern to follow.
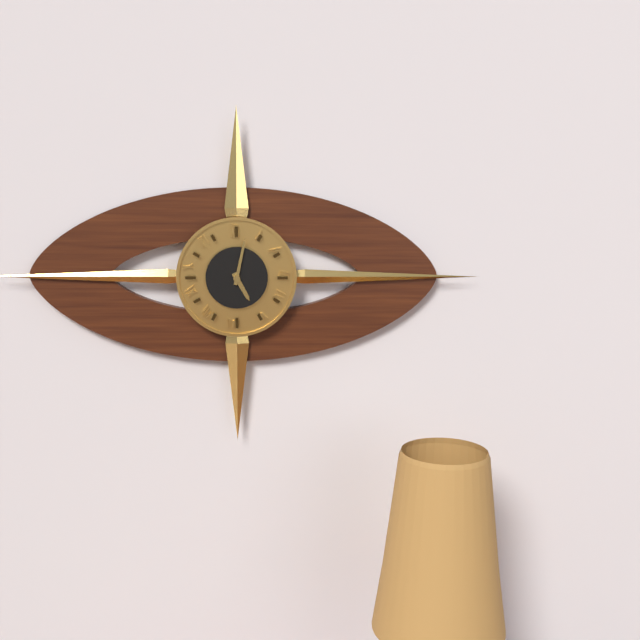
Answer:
5,02
